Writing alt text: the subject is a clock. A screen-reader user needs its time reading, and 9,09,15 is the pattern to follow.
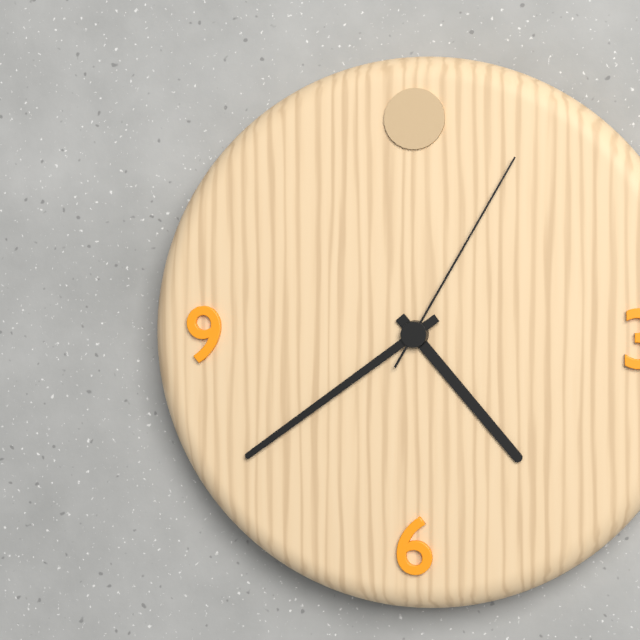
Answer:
4,39,05
